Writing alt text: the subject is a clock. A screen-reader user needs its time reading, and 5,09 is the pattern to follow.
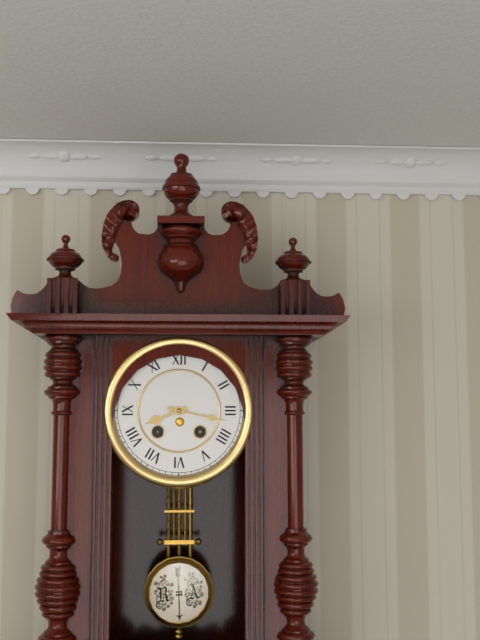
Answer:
8,17
